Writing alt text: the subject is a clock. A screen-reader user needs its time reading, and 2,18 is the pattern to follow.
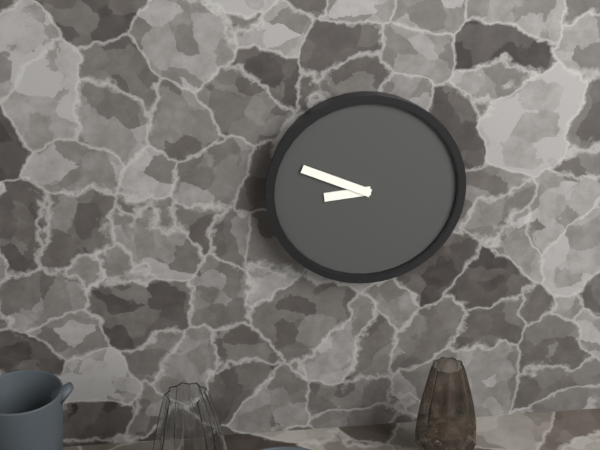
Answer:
8,49
